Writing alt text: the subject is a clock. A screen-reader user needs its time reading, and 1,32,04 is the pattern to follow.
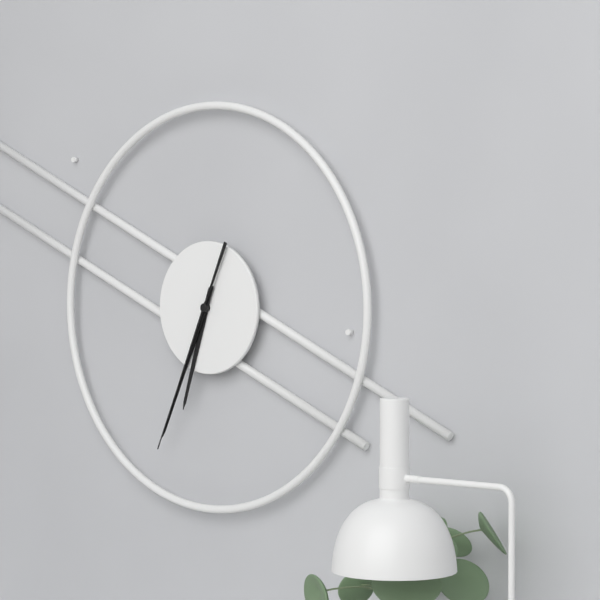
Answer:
6,34,34
